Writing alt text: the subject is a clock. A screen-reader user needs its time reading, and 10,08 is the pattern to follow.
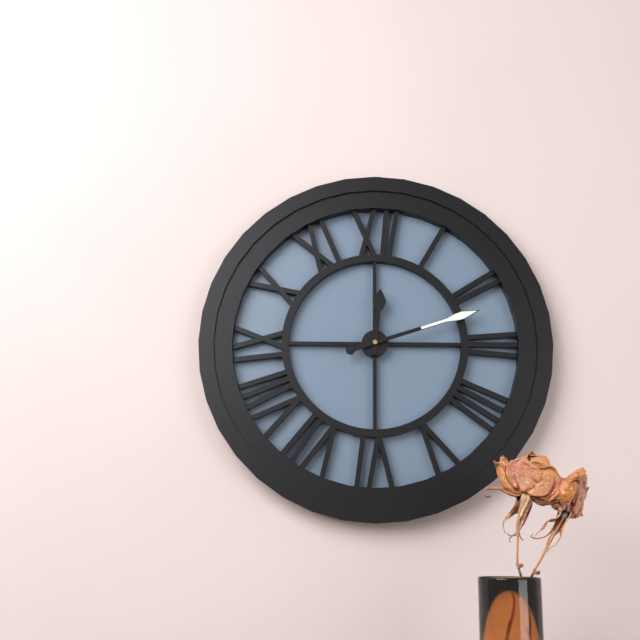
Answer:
12,12
